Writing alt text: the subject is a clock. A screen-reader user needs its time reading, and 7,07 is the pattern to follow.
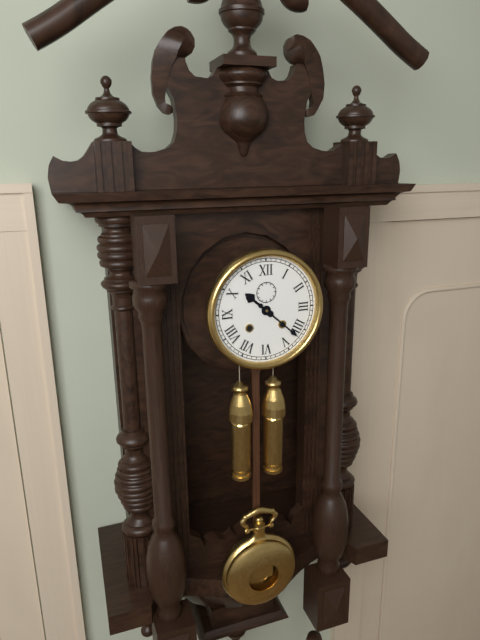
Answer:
10,22
